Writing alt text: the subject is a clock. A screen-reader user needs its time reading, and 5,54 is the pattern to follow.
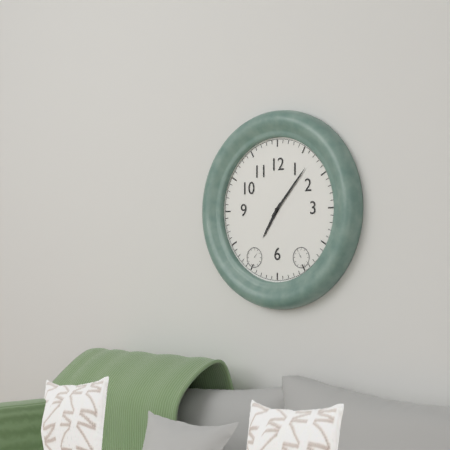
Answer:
7,07
